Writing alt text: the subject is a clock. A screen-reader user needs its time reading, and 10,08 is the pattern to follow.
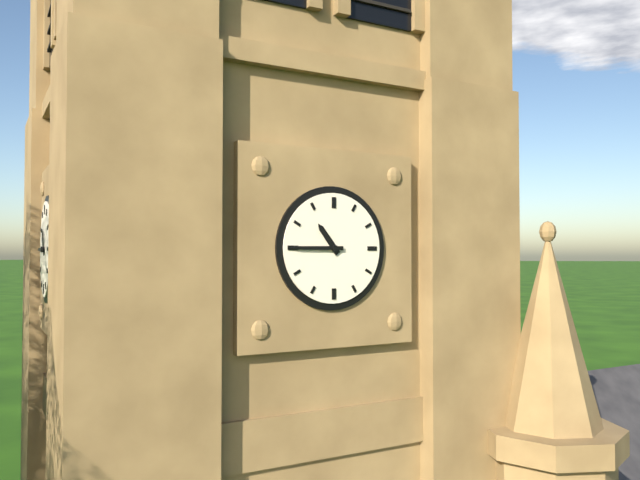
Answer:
10,45
